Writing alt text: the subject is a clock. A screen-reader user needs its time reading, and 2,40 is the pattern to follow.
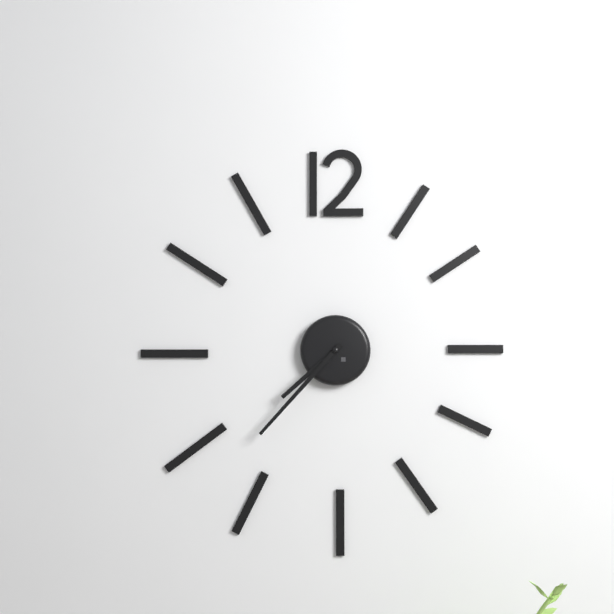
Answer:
7,37
